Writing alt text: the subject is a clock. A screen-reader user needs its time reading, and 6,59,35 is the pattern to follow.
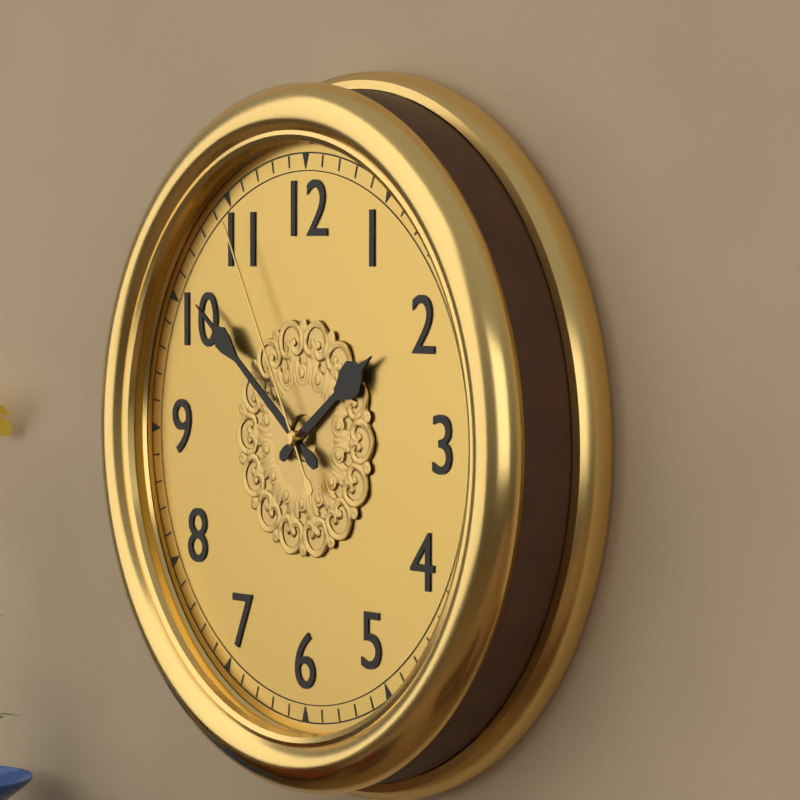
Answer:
1,51,55
